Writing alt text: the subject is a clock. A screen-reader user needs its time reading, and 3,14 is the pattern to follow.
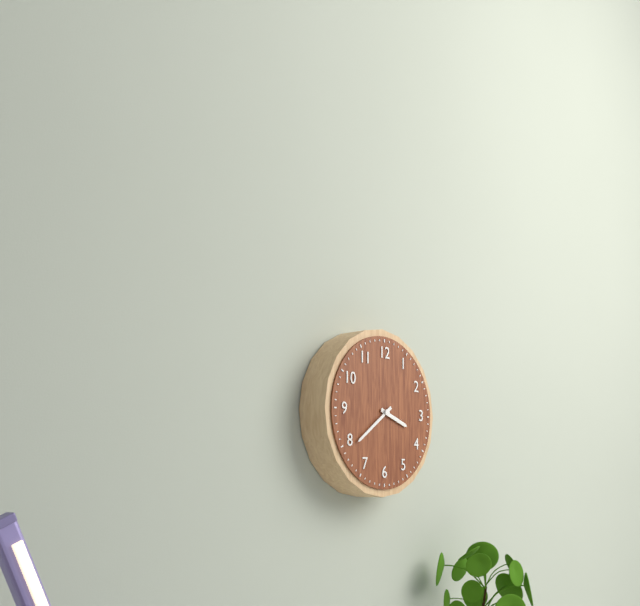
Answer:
3,39
